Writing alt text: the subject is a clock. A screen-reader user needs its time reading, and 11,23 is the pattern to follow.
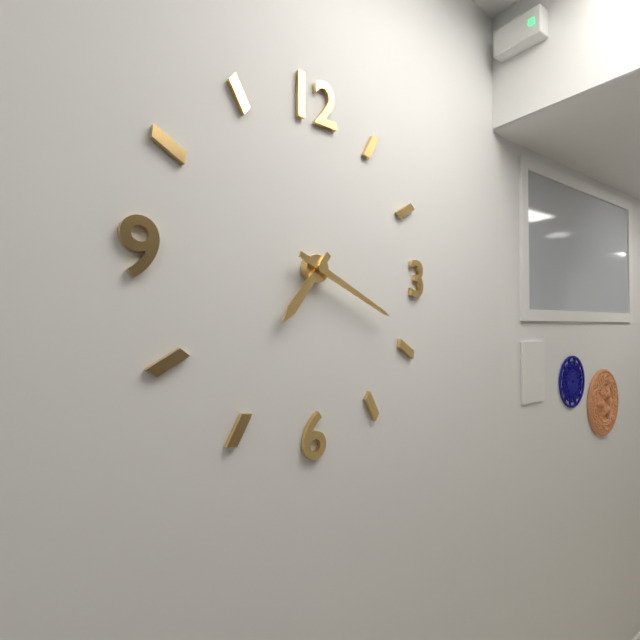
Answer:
7,19
